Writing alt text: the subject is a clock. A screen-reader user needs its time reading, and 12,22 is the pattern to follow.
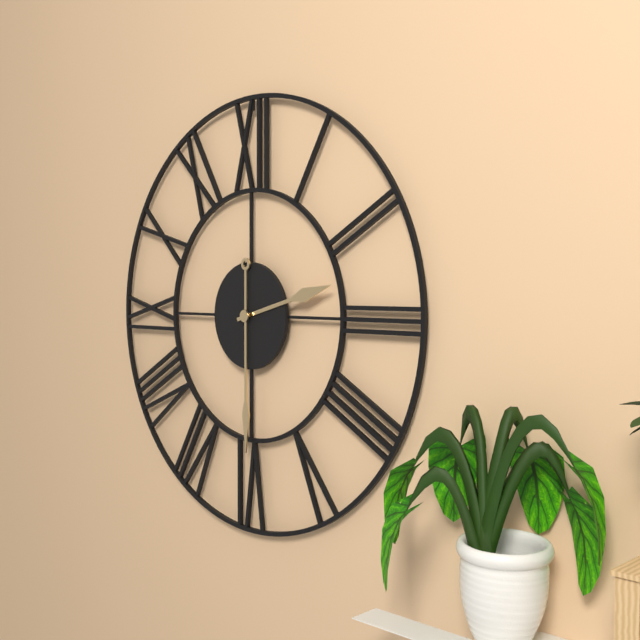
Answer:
2,30
